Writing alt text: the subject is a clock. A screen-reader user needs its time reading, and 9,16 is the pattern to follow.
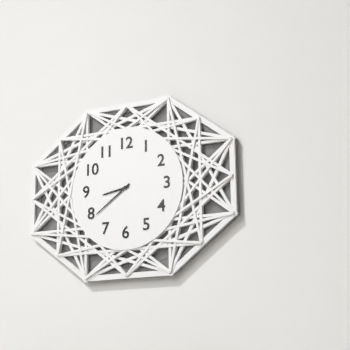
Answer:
8,39
